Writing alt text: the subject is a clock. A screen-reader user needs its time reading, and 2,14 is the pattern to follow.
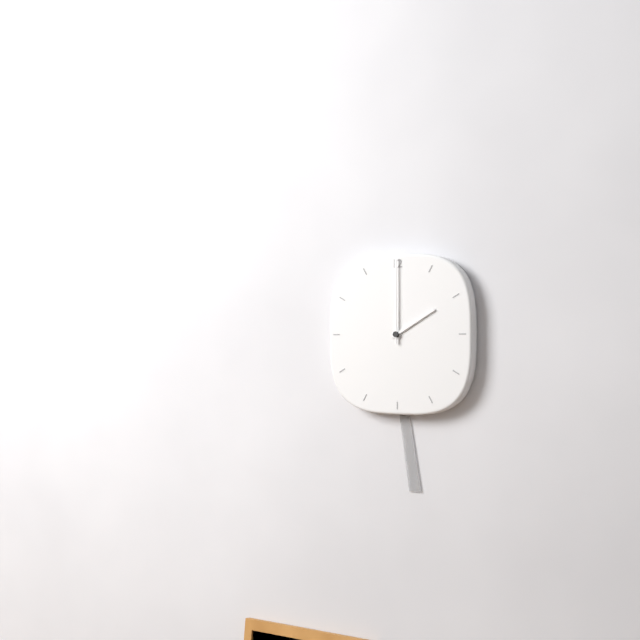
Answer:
2,00
